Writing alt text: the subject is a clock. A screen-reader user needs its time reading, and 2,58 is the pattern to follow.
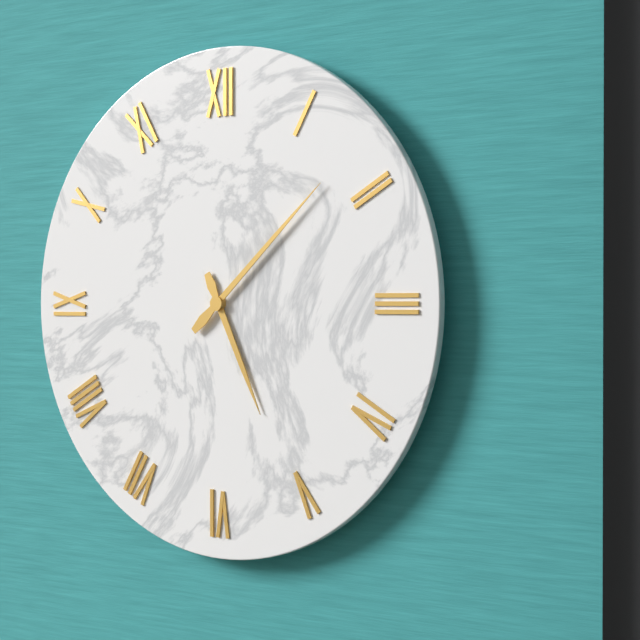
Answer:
5,08
